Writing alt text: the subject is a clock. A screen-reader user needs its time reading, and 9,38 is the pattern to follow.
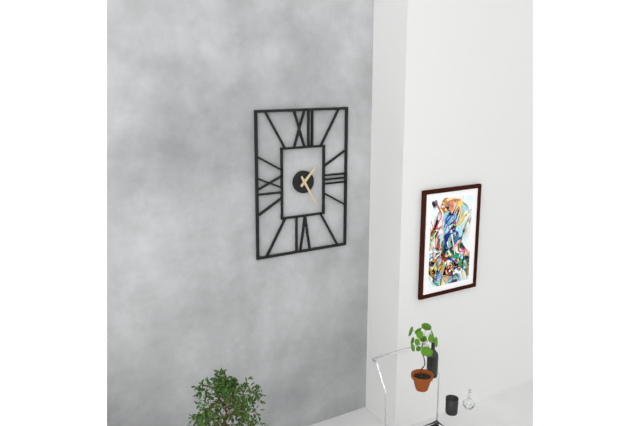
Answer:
1,25
